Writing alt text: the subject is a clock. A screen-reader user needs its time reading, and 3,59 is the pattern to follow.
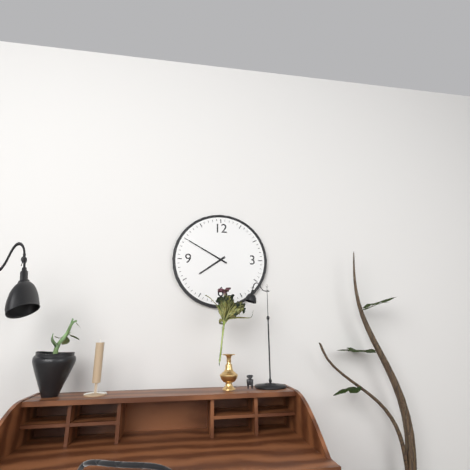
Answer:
7,50
